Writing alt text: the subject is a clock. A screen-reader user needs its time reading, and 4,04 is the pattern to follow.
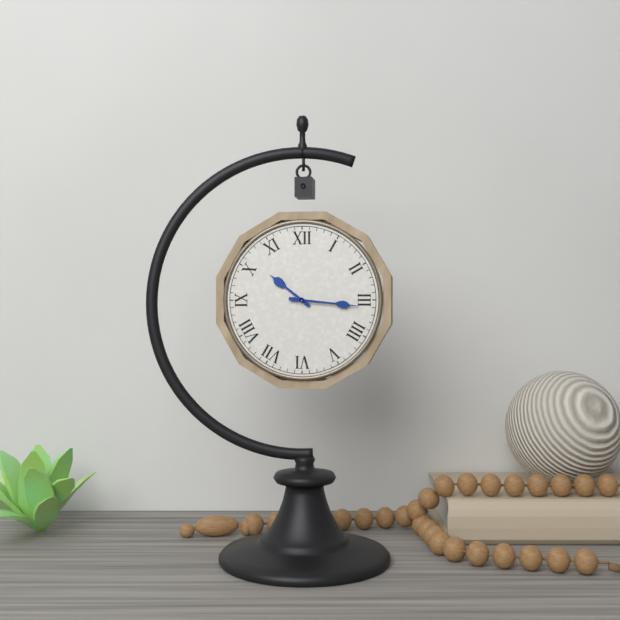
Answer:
10,16
